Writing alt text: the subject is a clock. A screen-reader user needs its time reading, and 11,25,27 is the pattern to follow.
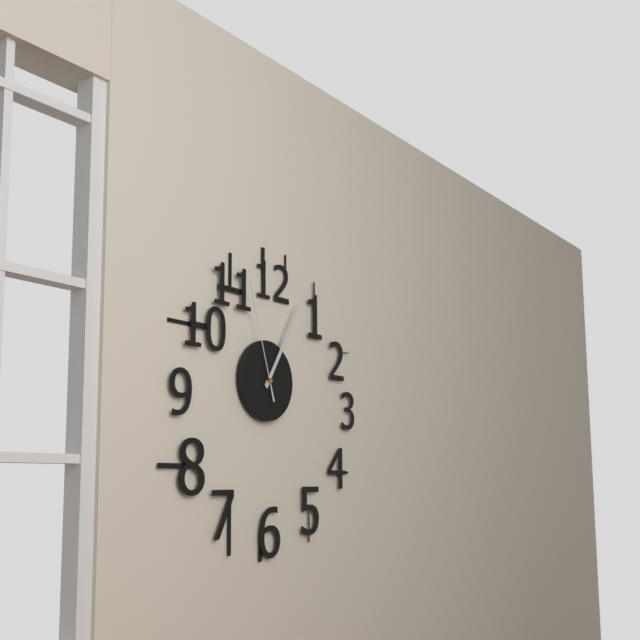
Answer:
1,05,57
